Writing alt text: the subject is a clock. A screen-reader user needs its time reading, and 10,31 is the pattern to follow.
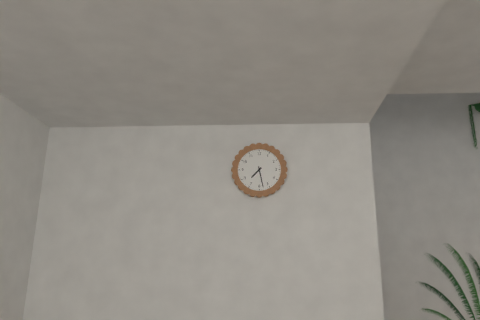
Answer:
7,28
